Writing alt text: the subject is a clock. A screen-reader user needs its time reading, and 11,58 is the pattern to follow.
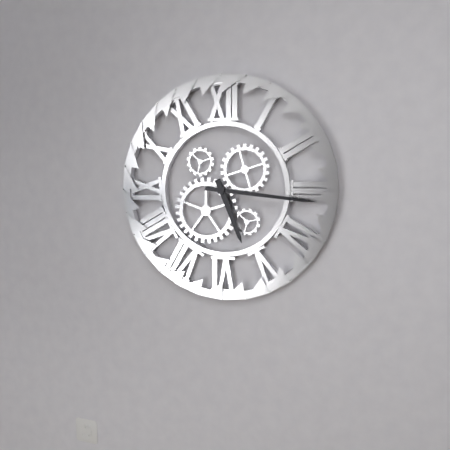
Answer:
5,16
